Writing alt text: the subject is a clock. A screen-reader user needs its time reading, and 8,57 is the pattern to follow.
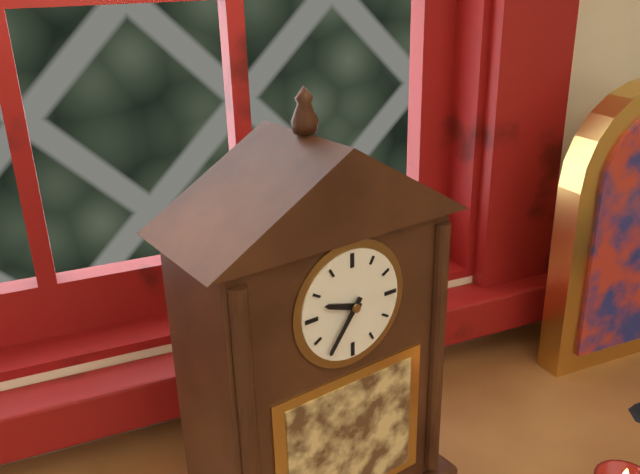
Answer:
9,36
